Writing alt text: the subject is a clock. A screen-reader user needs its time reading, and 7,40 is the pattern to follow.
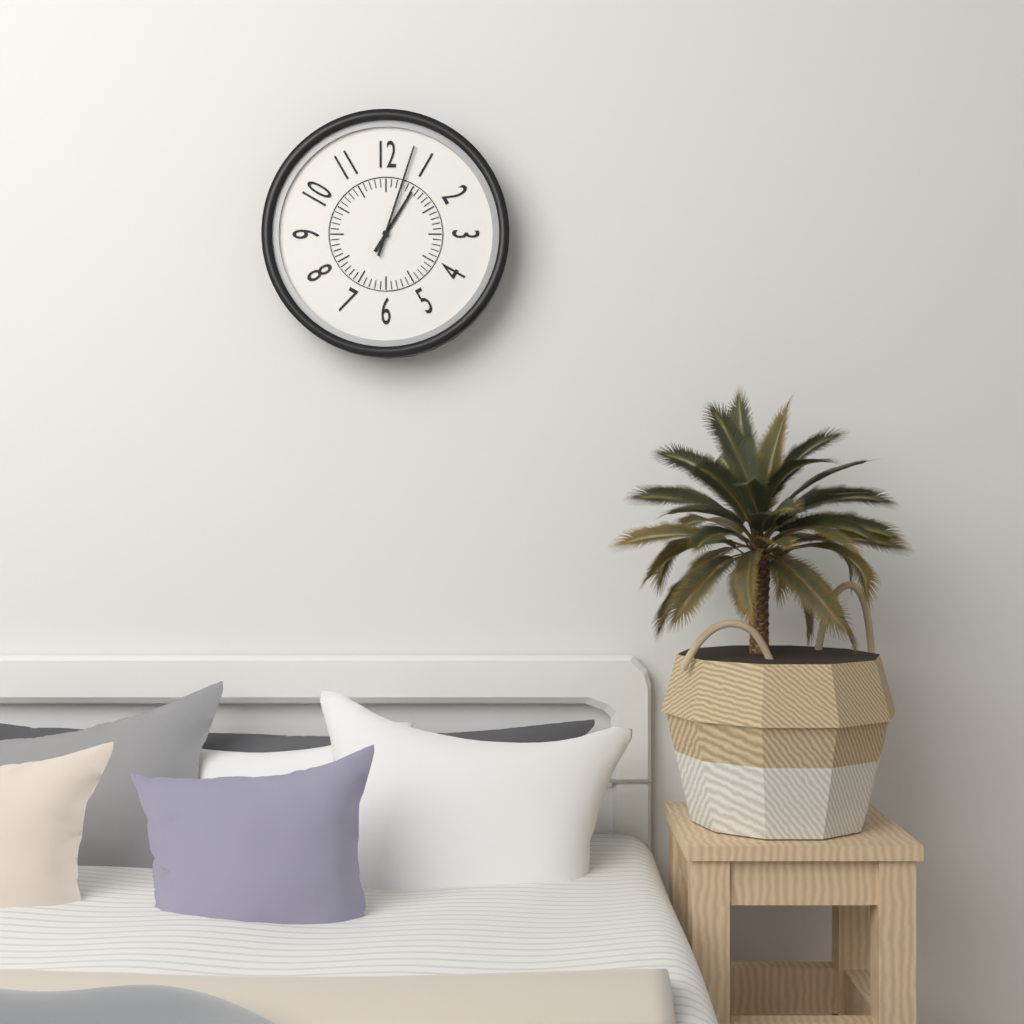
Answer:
1,03
